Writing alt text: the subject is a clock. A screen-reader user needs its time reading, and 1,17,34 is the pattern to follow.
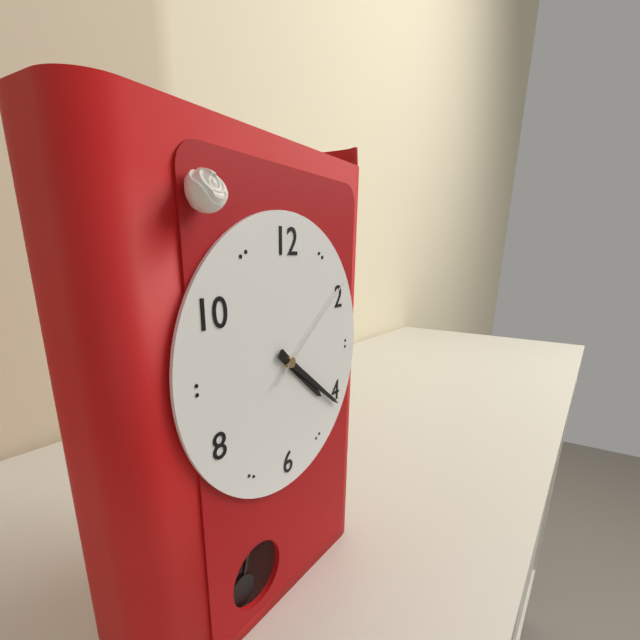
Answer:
4,21,09
